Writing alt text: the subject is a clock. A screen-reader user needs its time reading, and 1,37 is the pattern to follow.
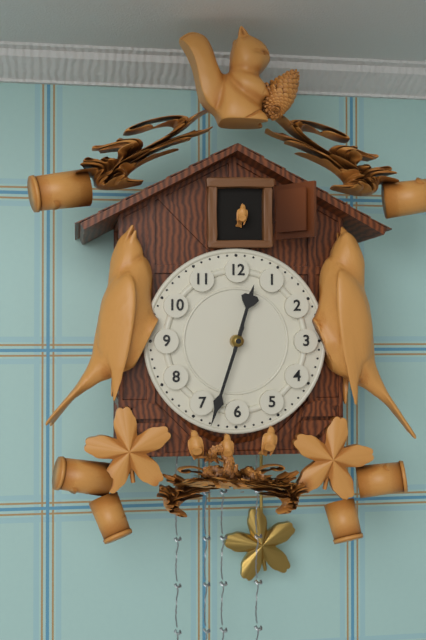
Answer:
12,33
